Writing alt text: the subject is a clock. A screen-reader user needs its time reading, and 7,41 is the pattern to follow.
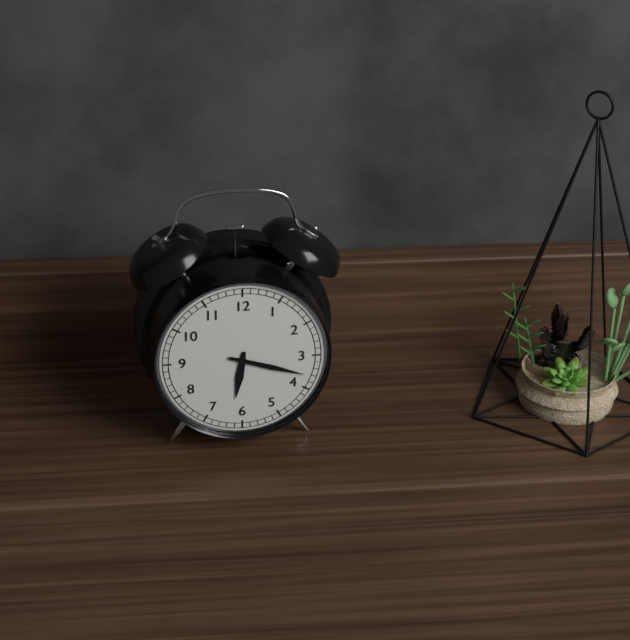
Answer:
6,18
